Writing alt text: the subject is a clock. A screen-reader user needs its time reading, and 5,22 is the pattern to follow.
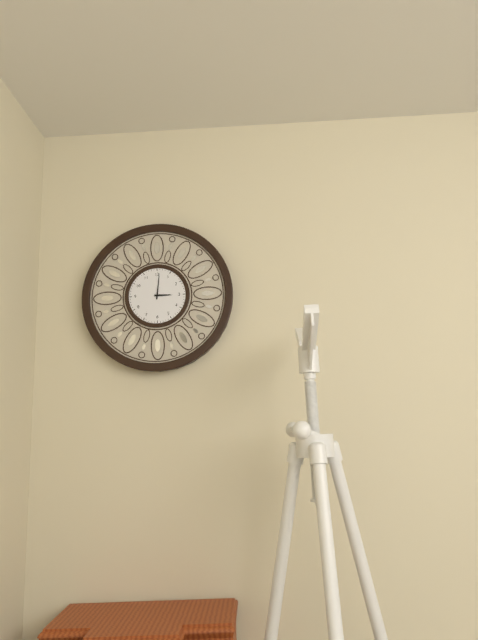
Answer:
3,01
